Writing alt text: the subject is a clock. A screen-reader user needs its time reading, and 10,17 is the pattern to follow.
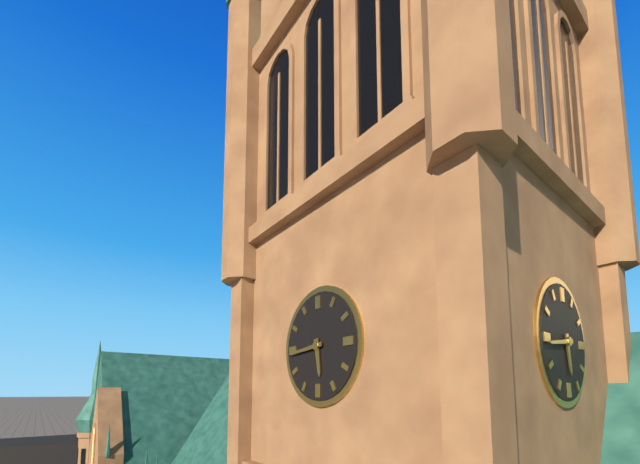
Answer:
5,44
